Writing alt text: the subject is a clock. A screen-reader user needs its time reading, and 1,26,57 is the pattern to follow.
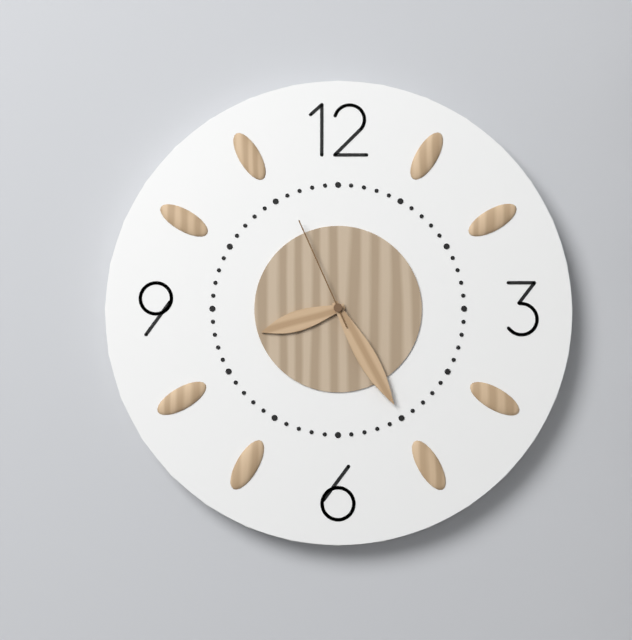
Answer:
8,25,56
